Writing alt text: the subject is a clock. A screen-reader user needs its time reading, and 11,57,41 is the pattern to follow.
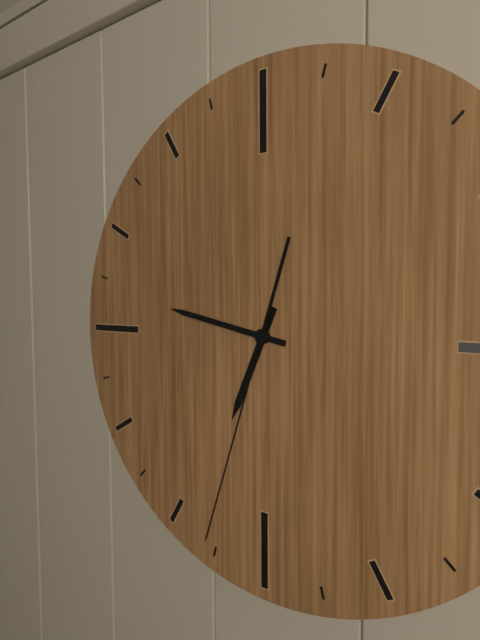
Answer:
6,47,33
